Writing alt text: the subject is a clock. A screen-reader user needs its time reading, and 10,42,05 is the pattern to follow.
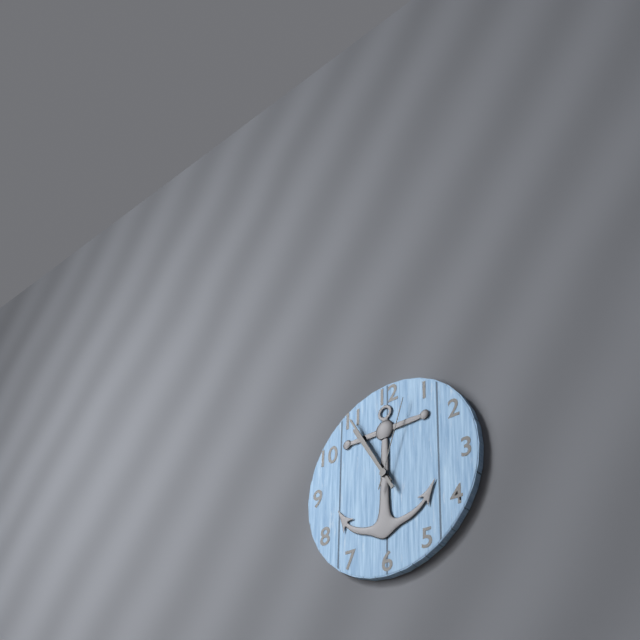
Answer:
10,55,03
